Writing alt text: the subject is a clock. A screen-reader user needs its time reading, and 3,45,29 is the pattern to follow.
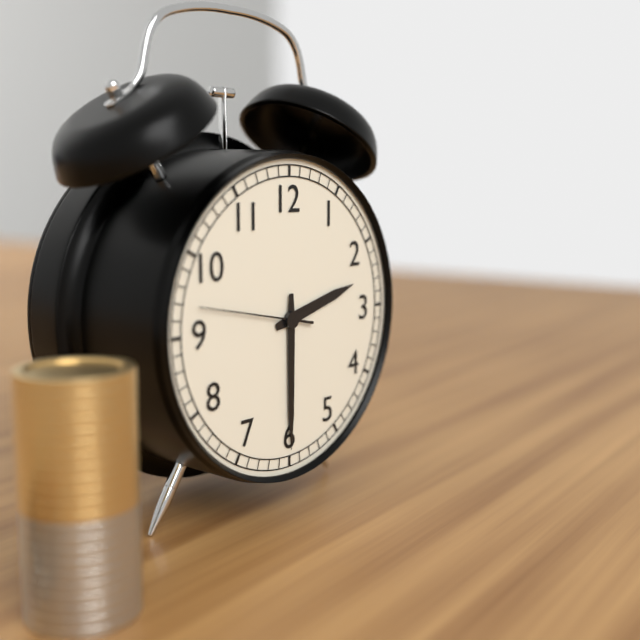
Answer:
2,30,47
